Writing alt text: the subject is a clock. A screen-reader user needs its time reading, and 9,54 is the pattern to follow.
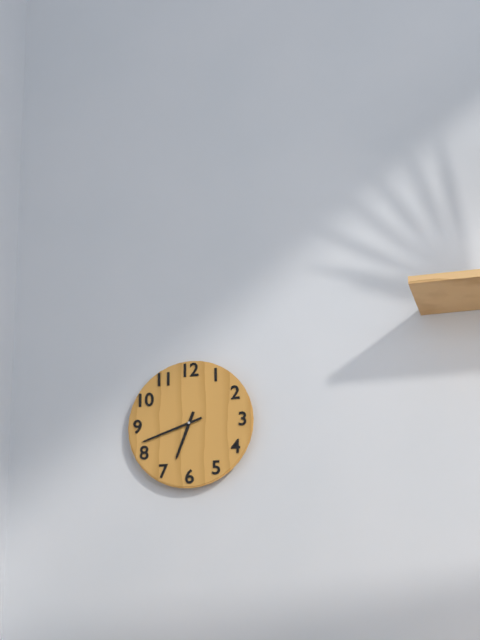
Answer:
6,42
